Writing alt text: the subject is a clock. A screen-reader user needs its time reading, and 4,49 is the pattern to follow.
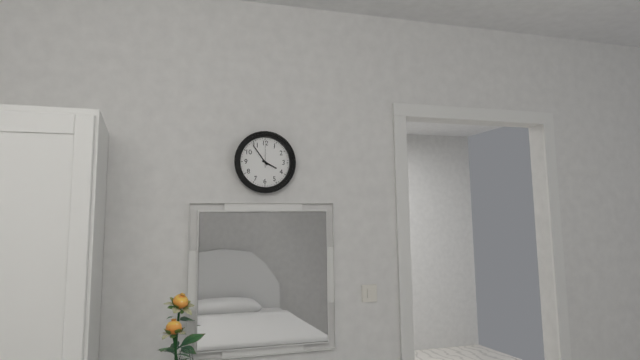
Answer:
3,54
